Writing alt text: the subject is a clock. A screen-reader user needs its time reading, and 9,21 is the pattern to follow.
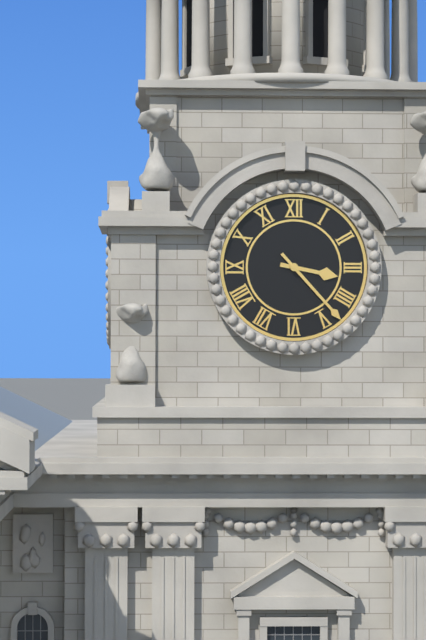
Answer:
3,23
